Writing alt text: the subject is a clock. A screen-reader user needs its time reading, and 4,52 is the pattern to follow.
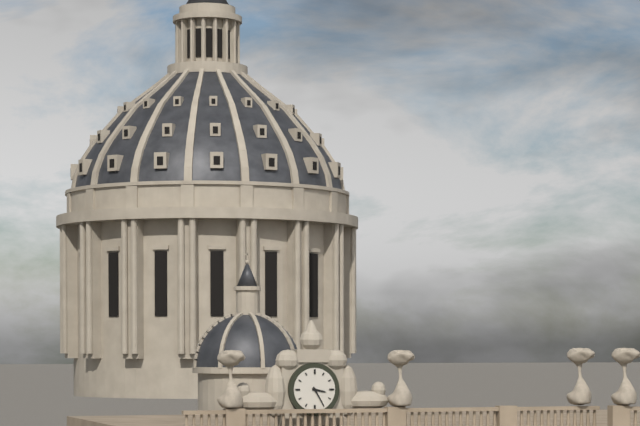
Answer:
3,25
